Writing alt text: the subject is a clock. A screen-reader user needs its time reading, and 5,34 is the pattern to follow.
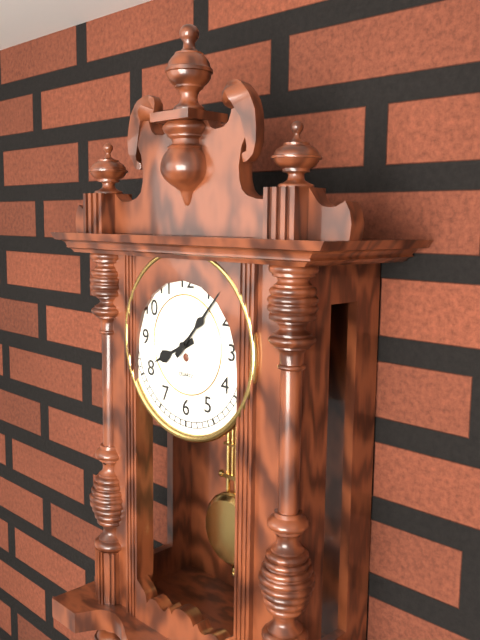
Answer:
8,07
